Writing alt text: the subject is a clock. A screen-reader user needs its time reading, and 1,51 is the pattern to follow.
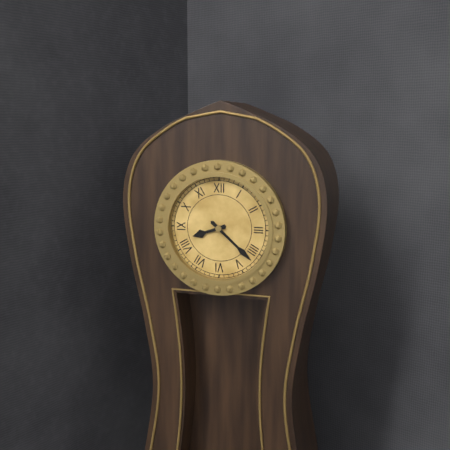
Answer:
8,22
